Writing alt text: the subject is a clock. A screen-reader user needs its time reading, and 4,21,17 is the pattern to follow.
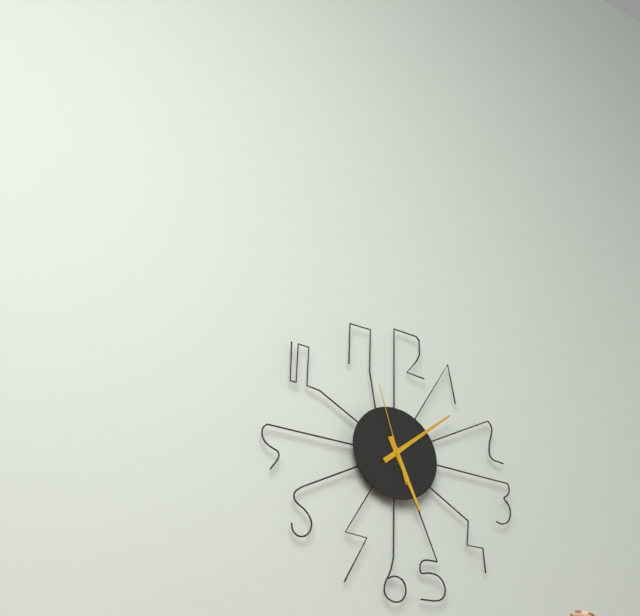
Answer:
5,08,57
